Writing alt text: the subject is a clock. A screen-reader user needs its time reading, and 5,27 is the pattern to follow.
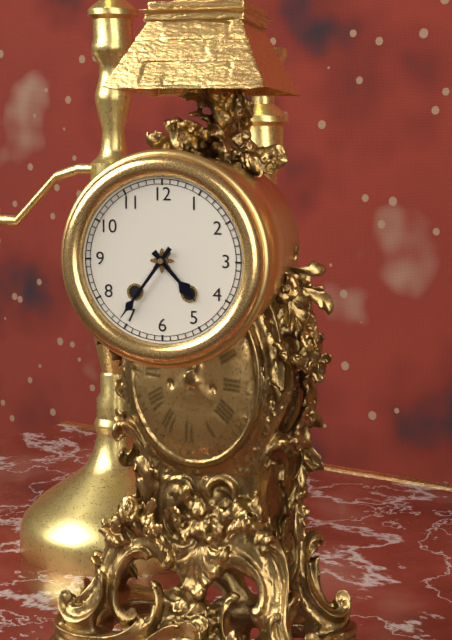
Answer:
4,36
